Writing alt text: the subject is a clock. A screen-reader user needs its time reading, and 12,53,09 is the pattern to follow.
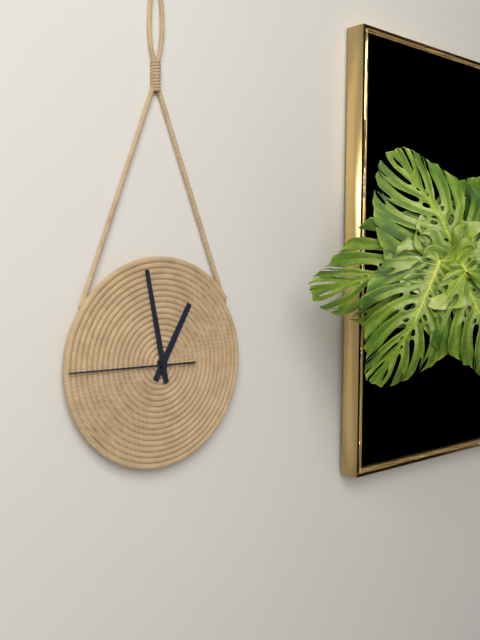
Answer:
12,58,45
